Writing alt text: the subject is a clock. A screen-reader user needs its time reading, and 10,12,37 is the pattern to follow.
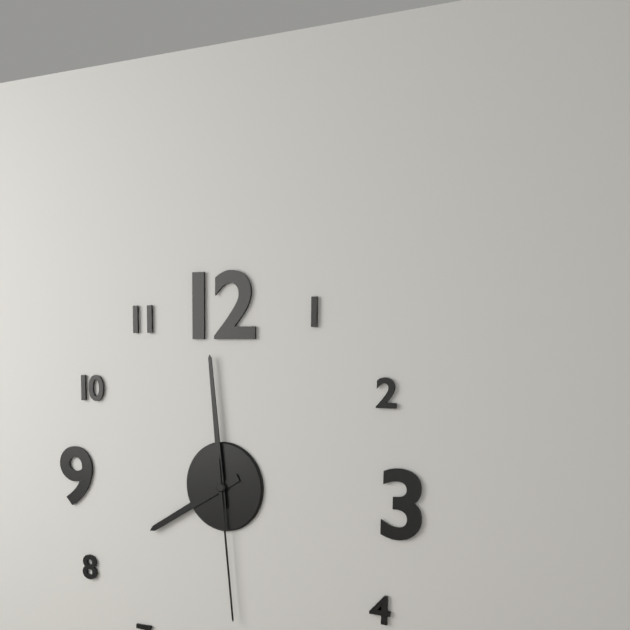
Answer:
7,59,29
